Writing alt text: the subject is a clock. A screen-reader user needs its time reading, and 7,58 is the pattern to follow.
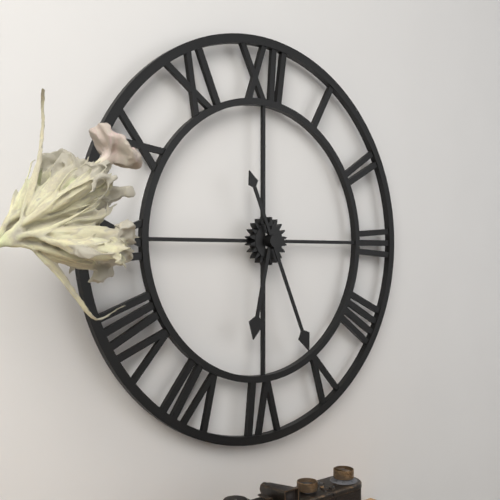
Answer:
6,26
